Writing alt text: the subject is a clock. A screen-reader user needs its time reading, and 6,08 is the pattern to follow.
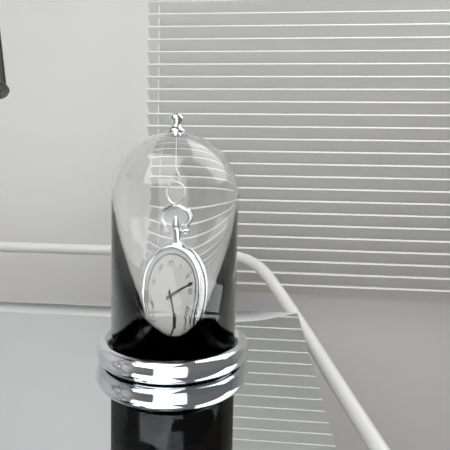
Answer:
5,13
